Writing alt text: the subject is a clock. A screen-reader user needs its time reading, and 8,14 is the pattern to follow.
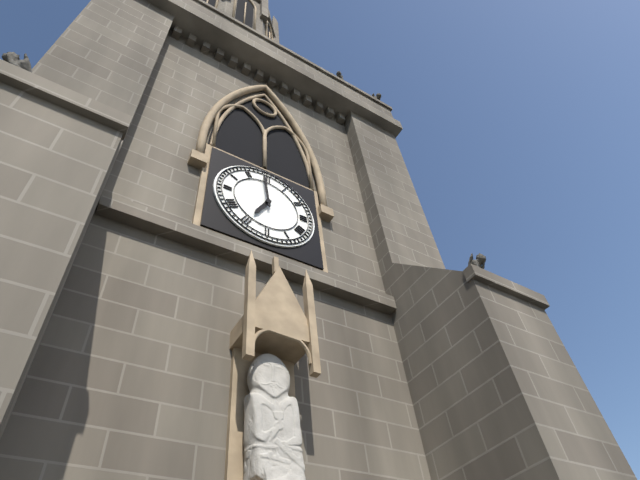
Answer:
6,59
